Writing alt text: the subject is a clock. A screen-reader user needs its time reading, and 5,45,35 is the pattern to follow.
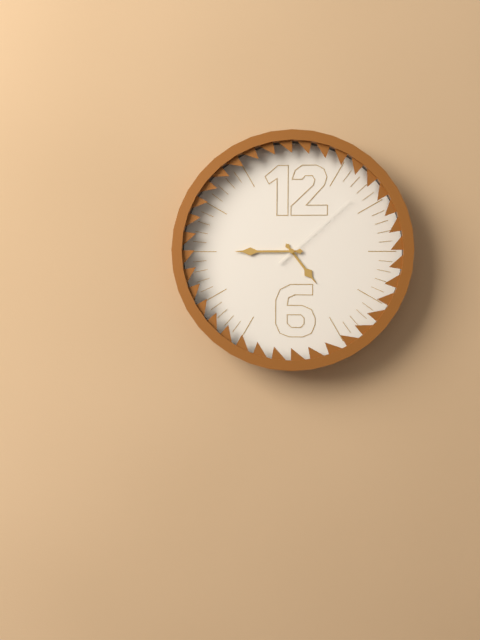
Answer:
4,45,08
